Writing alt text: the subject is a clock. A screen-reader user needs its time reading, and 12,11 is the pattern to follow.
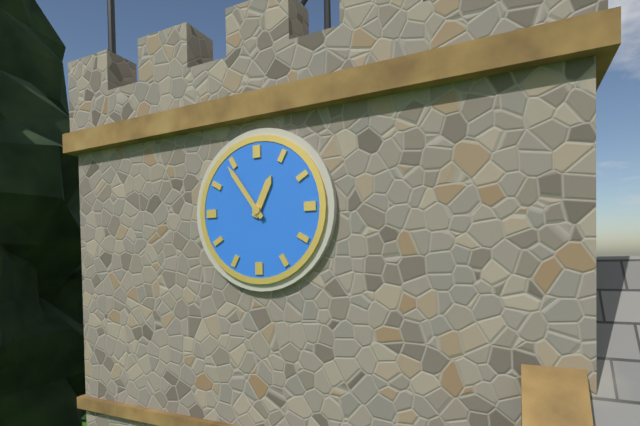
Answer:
12,54
